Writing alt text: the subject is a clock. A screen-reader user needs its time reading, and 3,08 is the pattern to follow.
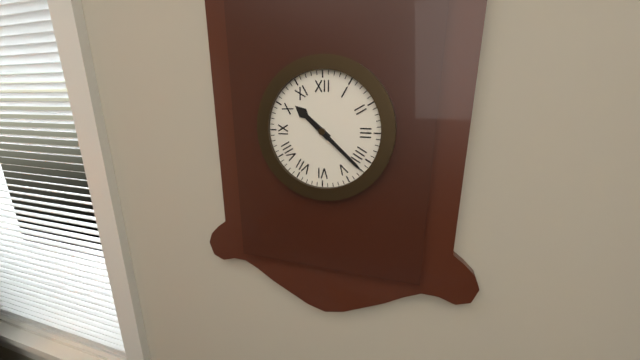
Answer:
10,22
